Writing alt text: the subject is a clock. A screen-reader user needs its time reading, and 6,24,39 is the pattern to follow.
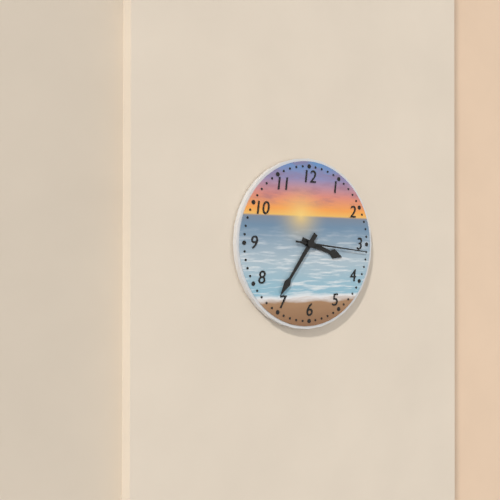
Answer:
3,36,16
